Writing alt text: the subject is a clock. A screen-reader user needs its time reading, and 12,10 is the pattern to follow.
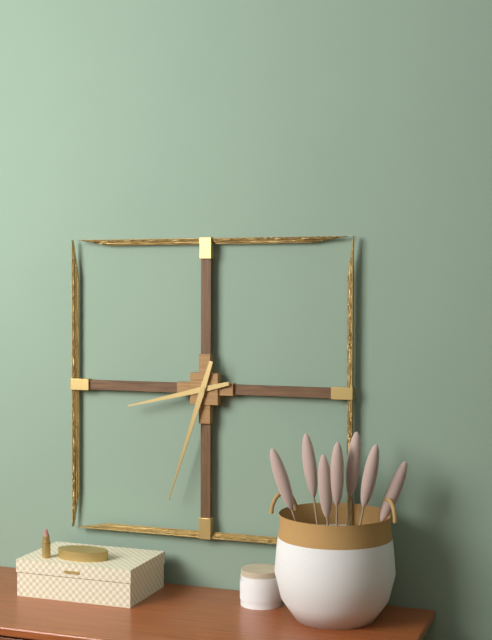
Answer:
8,33
